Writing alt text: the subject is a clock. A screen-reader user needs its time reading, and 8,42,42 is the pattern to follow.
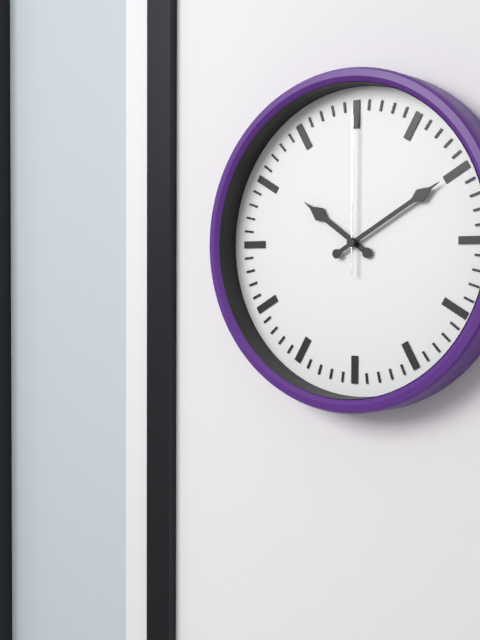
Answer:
10,10,00
